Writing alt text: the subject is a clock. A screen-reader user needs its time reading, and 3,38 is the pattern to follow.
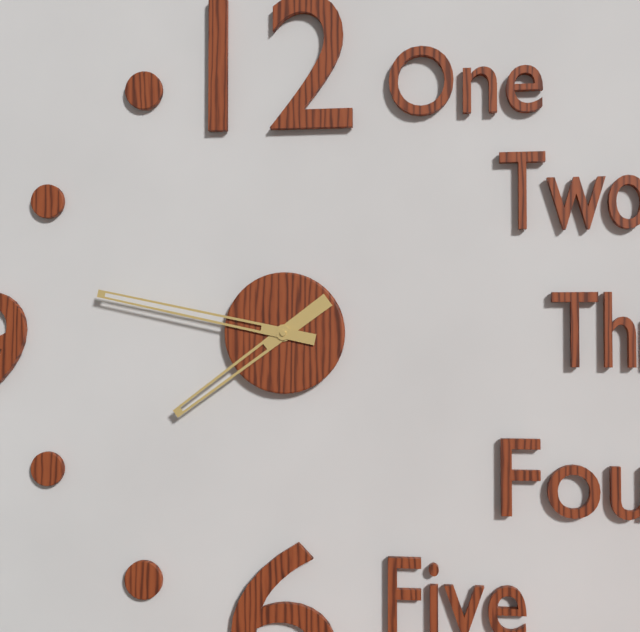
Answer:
7,47
